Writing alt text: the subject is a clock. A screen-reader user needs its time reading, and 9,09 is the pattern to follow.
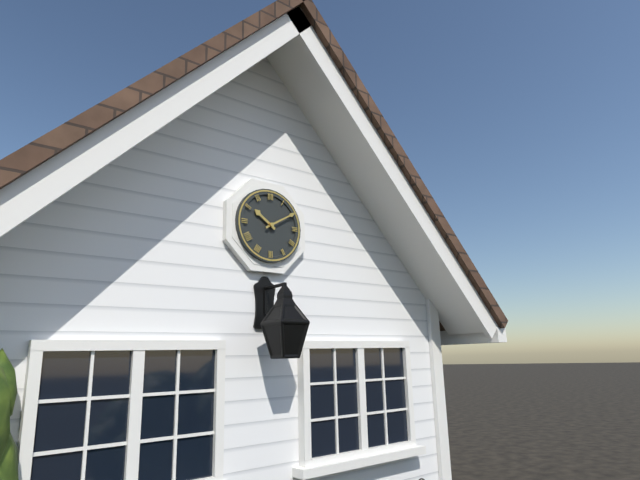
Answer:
10,10
